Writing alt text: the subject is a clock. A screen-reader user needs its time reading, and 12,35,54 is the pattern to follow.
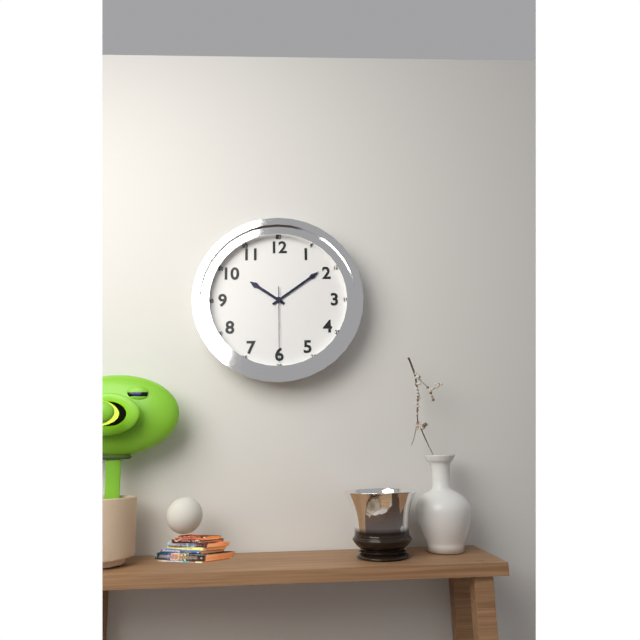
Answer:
10,09,30
